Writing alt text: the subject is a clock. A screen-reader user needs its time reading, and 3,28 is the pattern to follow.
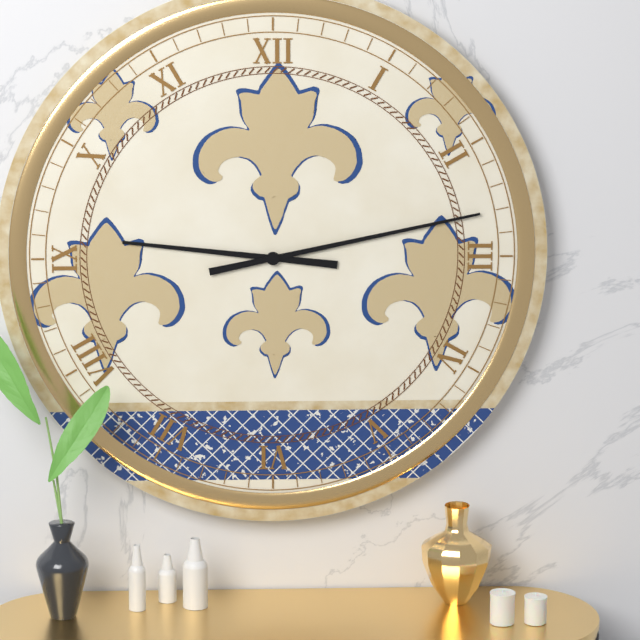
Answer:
9,13
